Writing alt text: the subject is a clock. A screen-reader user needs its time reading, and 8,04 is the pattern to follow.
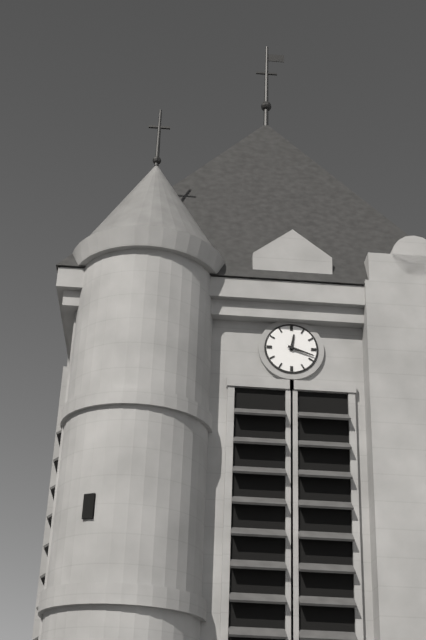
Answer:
12,18
